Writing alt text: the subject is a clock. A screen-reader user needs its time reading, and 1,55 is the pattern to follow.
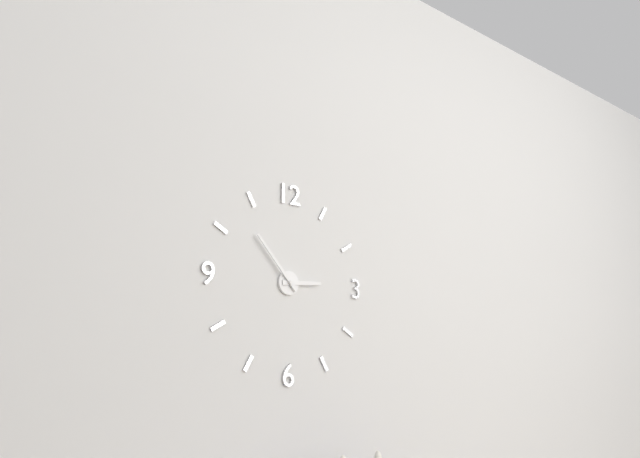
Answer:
2,53
